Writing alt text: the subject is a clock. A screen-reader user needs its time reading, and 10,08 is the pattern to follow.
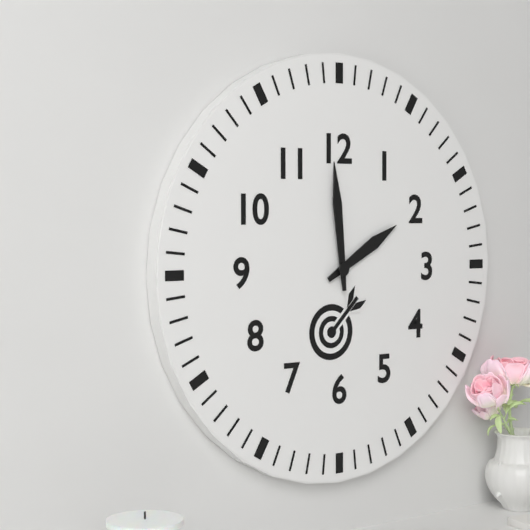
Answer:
1,59
